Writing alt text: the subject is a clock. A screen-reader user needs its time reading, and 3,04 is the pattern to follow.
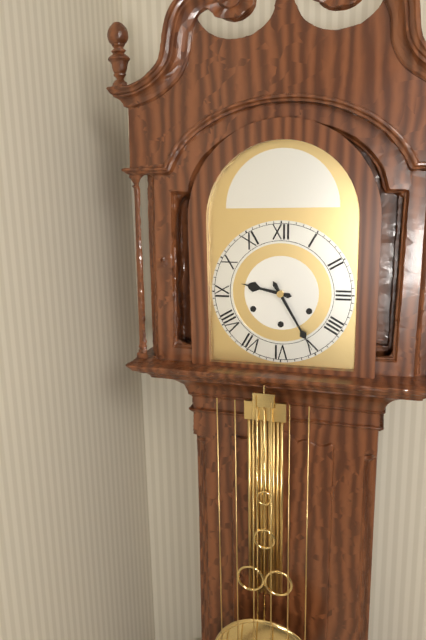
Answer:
9,25
